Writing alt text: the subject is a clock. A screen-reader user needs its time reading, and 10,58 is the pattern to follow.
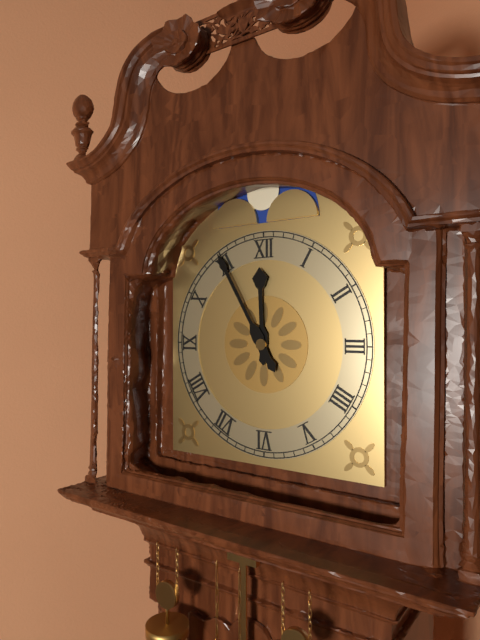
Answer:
11,55
